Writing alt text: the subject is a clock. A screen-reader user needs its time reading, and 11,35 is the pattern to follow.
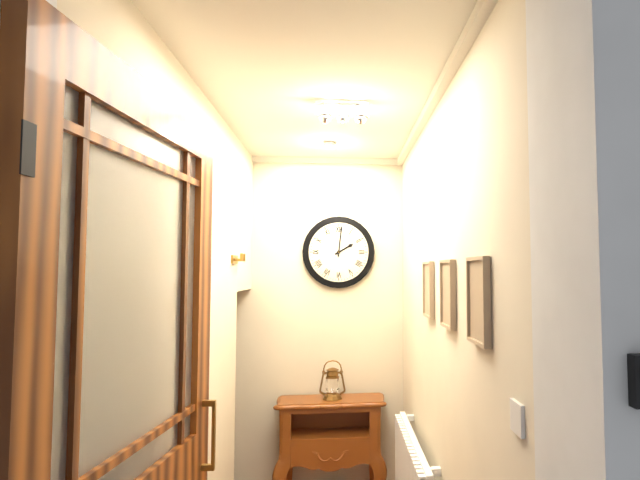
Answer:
2,01
